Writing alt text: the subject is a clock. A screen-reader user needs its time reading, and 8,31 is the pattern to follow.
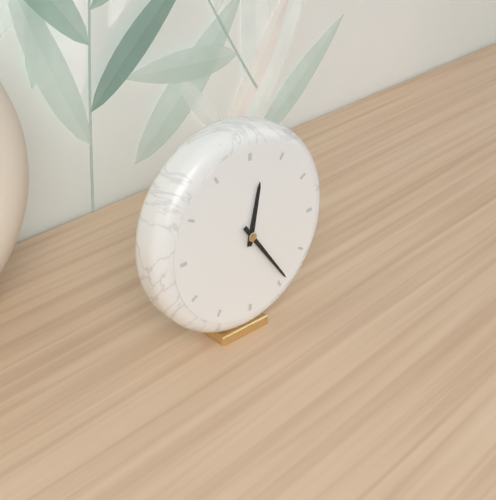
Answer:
12,24
